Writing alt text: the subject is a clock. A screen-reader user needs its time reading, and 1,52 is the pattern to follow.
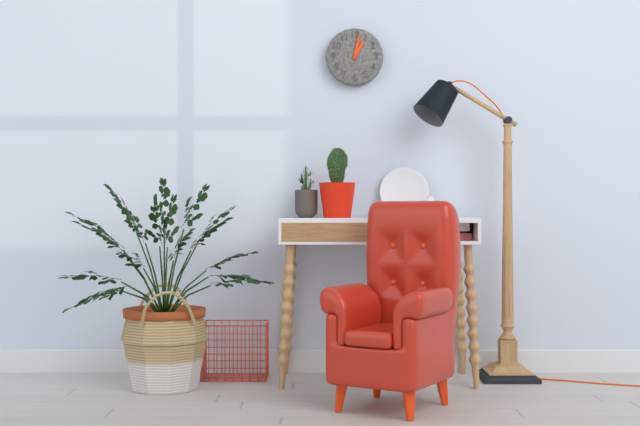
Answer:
1,02
